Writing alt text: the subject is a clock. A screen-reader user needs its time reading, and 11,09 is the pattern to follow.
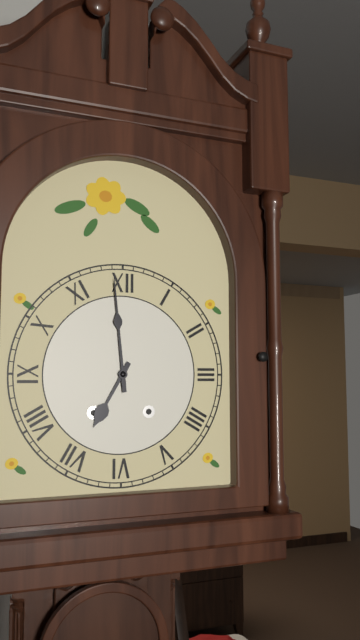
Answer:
6,59
